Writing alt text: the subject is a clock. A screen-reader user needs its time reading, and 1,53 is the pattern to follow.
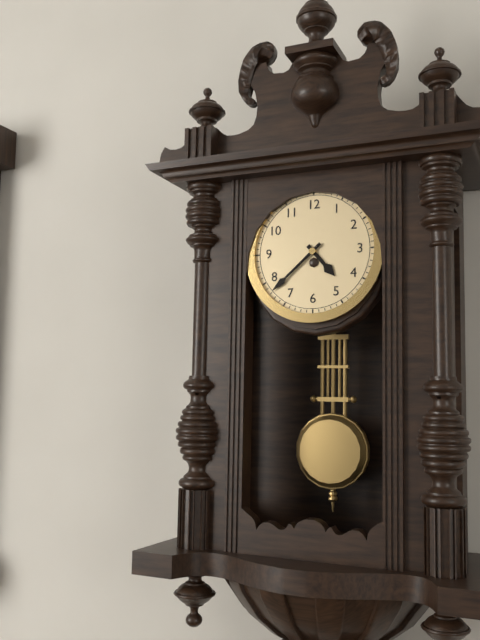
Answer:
4,38
